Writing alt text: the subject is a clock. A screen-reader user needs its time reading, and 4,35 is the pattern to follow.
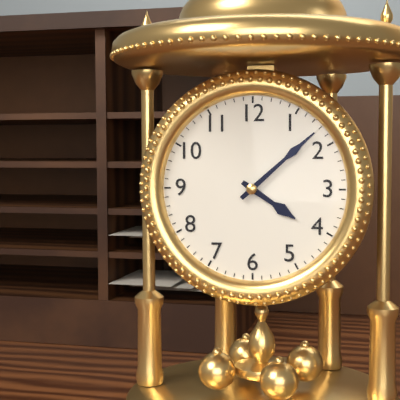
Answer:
4,08
